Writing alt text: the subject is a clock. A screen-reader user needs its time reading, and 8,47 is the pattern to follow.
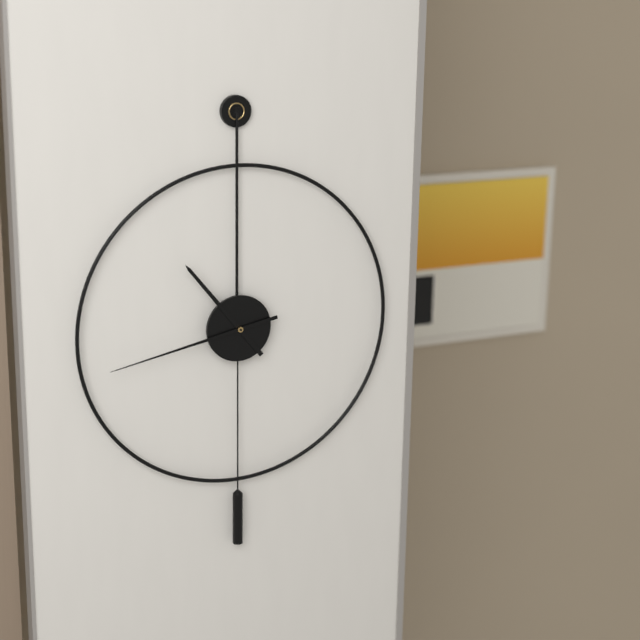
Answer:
10,43
